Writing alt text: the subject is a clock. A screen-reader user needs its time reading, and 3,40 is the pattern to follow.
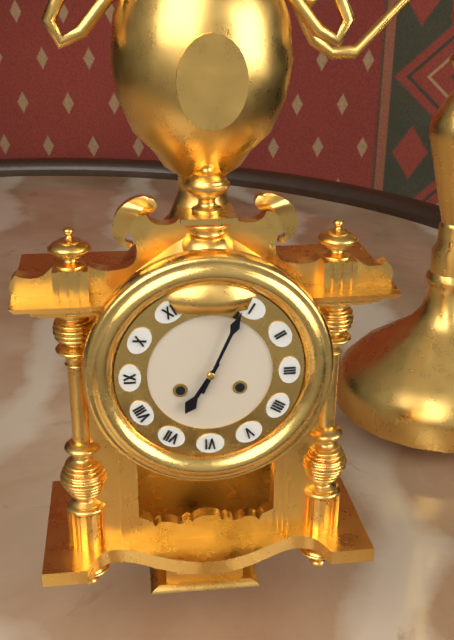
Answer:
7,04
